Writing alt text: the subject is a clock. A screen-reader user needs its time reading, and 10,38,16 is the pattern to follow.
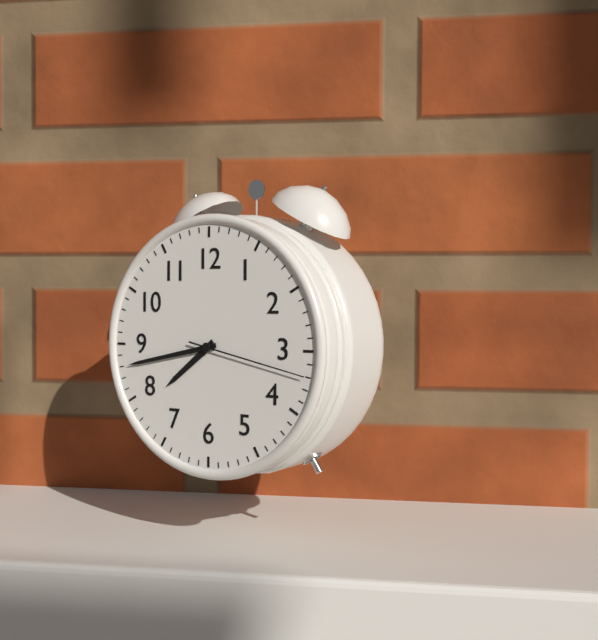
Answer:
7,43,17
